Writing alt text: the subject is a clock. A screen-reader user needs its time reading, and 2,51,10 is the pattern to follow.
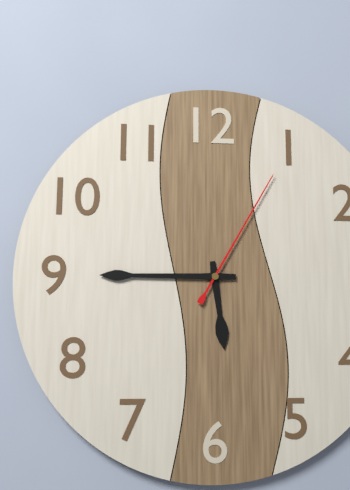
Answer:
5,45,05
